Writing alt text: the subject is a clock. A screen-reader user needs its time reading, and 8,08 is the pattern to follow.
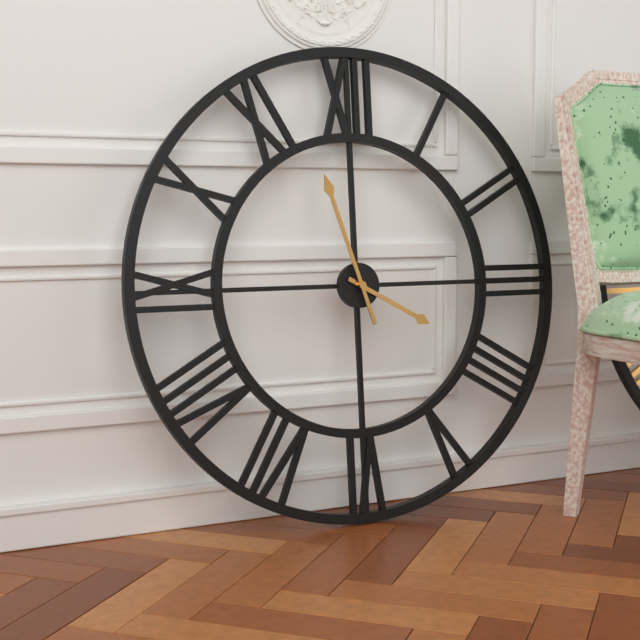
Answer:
3,57
